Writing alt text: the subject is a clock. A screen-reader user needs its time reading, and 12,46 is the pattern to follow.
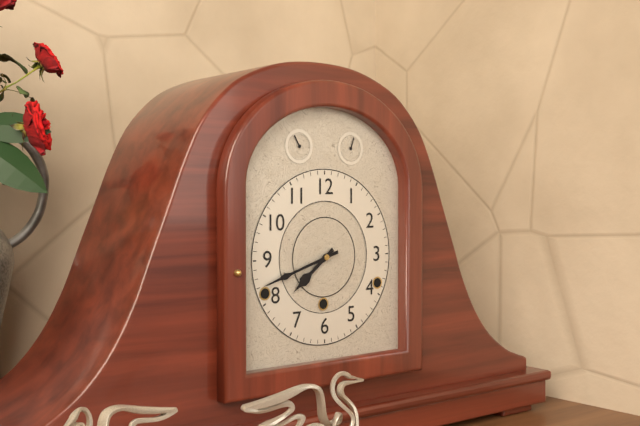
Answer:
7,42
